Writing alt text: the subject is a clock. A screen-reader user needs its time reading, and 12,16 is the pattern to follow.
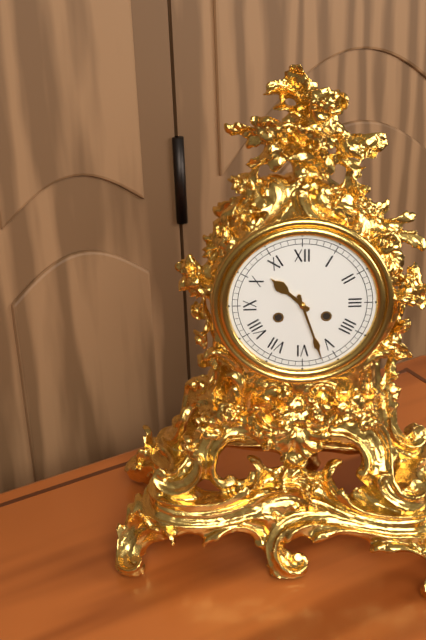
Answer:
10,27
